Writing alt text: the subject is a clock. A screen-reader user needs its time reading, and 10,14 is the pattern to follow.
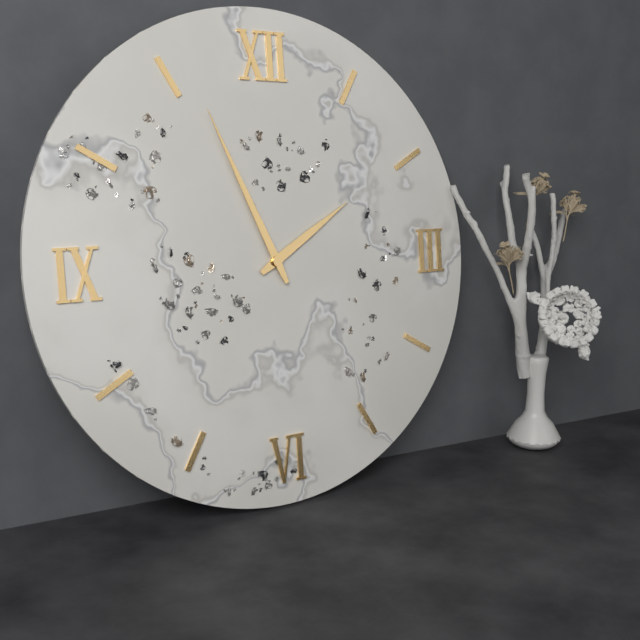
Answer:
1,56
